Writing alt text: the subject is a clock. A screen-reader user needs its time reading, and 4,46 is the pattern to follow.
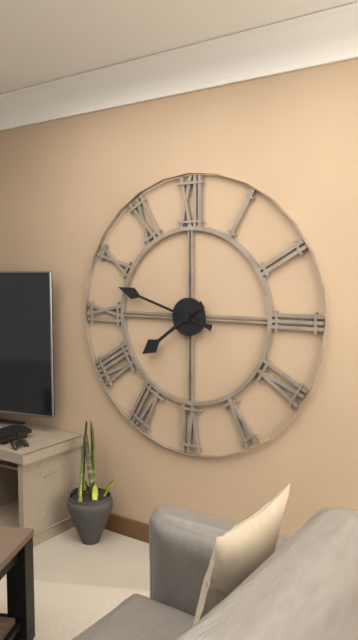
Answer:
7,48
